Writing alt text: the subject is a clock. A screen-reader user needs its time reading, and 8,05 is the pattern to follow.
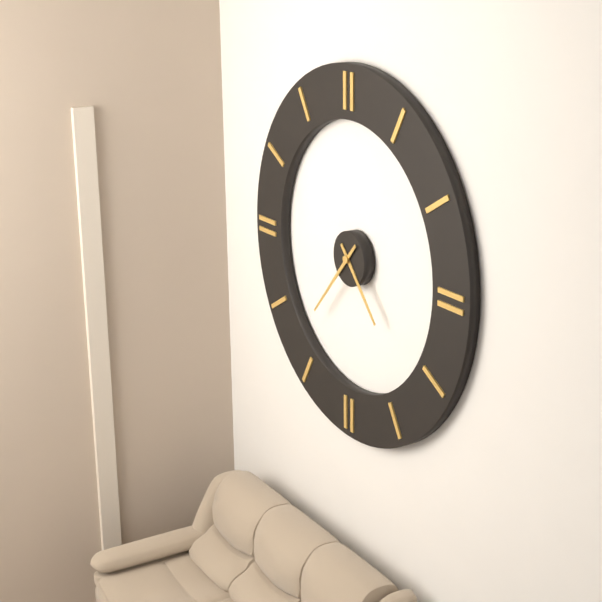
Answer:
4,37
